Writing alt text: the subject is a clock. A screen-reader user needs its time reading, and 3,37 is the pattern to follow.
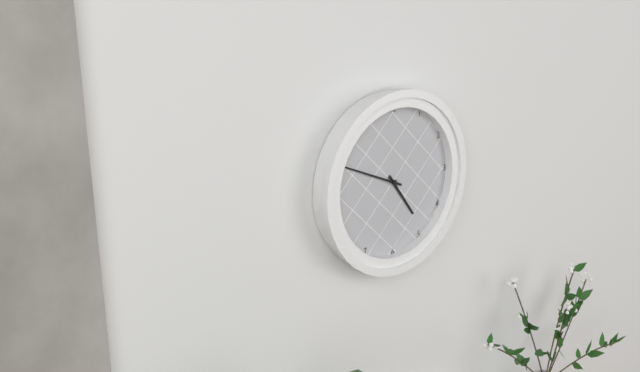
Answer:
4,49
